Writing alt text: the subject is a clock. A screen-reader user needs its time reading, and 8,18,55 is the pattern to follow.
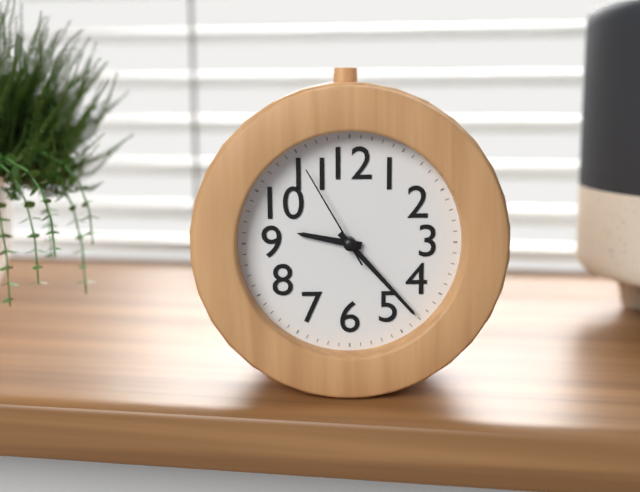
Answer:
9,23,55
